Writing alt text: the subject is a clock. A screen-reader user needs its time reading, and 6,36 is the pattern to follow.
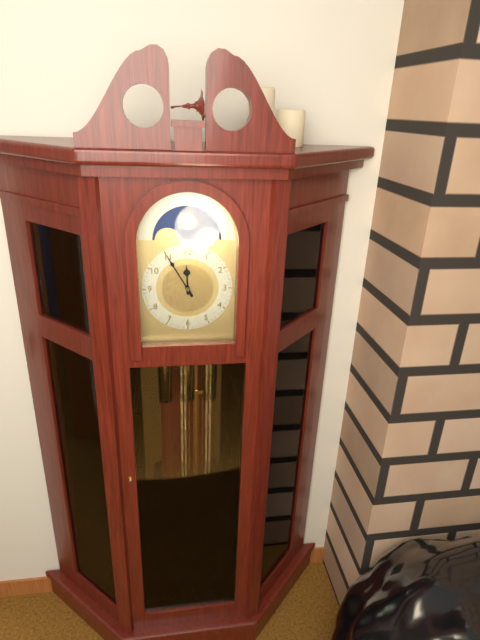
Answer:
11,55
